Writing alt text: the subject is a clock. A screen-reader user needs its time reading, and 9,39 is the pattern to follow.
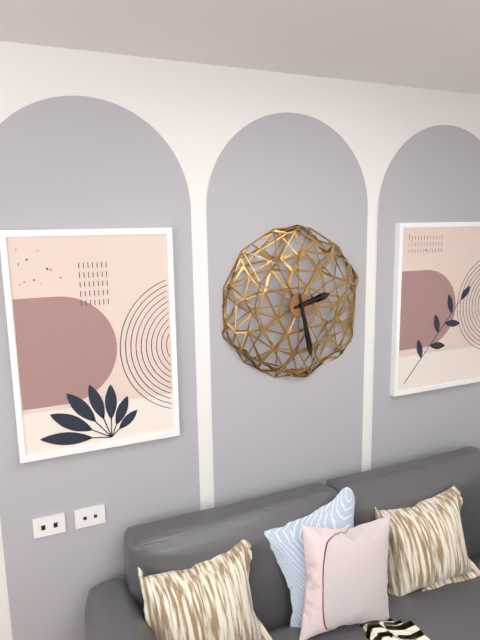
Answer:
2,28
